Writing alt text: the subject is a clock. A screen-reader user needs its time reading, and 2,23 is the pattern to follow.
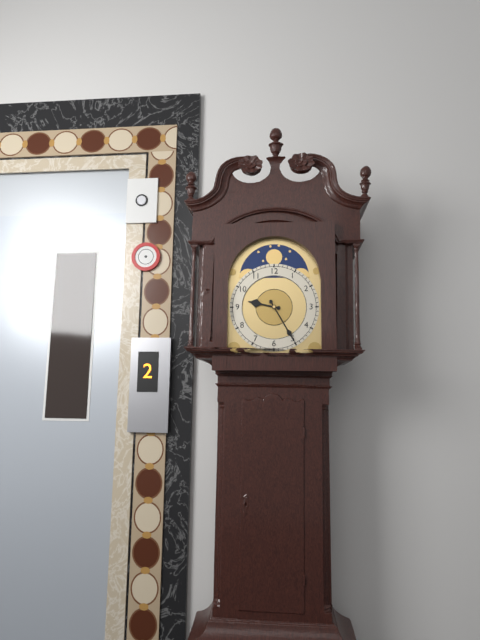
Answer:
9,25
